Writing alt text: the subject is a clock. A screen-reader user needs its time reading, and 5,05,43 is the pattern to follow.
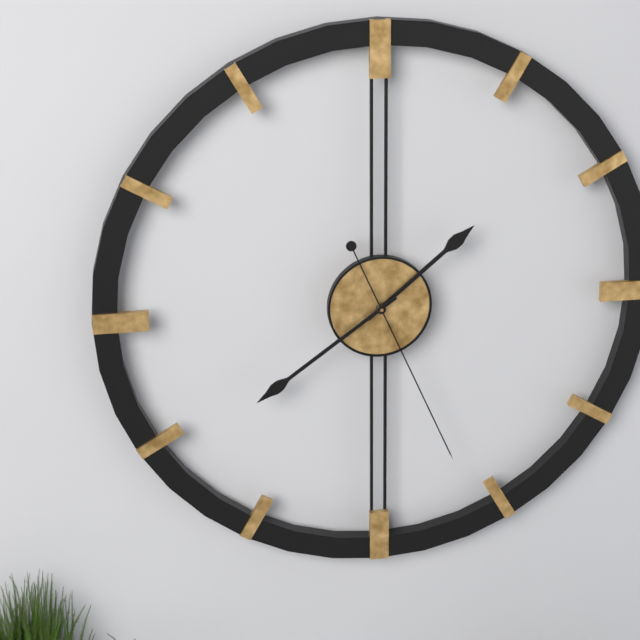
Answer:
1,39,26
